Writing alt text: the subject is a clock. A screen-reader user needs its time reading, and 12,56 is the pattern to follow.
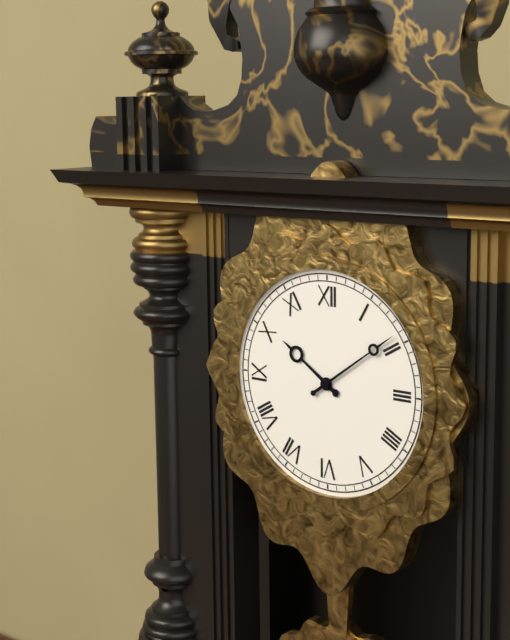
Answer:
10,09
